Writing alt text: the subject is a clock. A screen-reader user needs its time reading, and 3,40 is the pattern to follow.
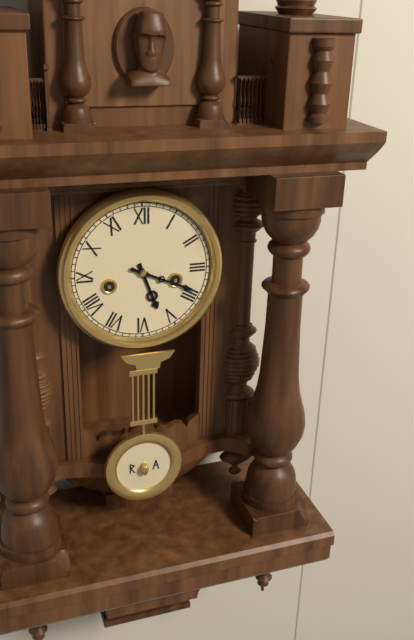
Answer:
5,19
